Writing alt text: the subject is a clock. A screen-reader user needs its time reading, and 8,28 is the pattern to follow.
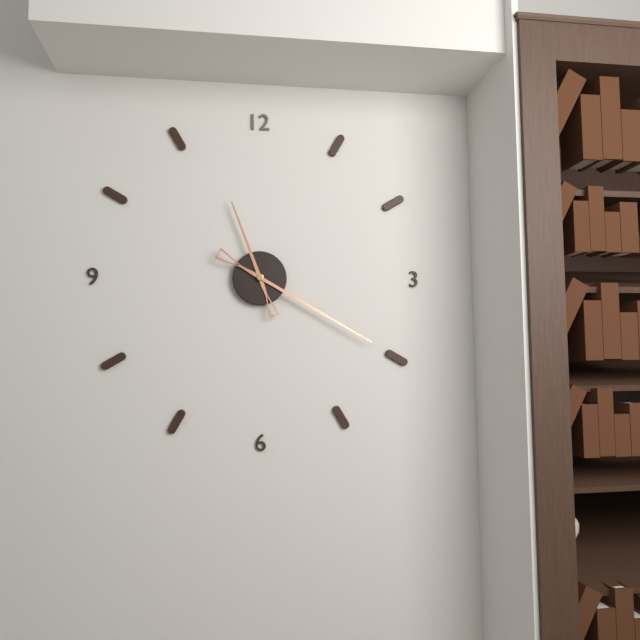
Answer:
11,20
